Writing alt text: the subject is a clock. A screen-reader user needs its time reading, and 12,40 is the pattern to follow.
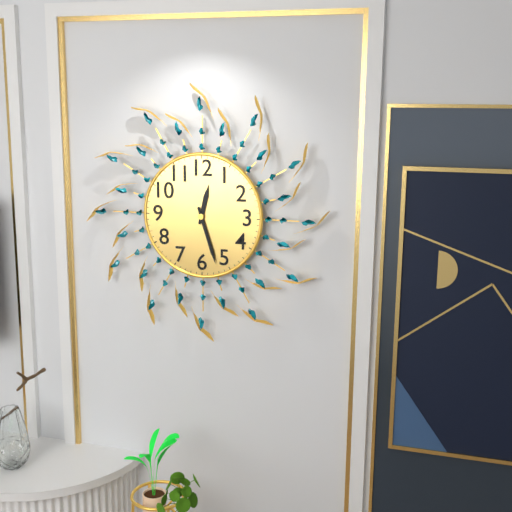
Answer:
12,27
